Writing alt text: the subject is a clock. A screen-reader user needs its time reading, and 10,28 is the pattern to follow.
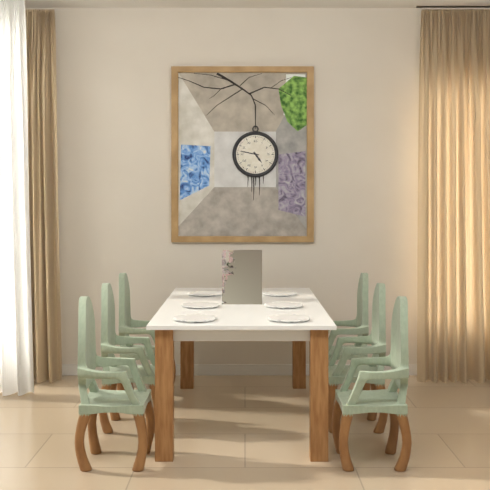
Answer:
4,47
